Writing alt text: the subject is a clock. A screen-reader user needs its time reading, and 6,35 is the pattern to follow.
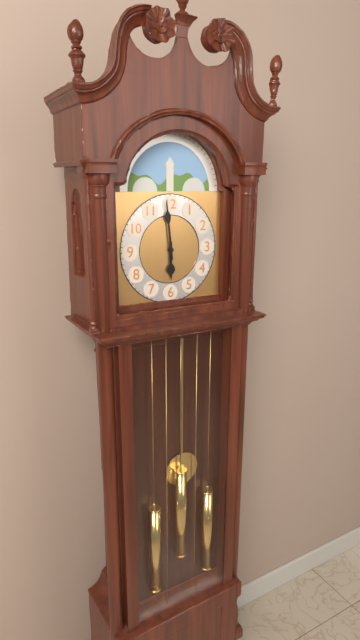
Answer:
5,59
